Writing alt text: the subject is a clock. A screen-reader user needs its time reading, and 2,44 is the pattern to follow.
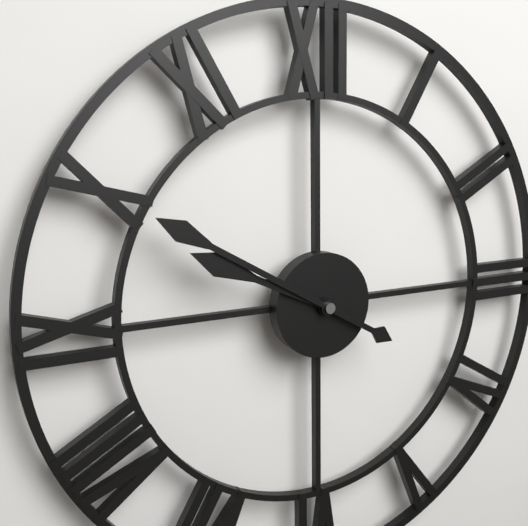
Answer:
9,50
